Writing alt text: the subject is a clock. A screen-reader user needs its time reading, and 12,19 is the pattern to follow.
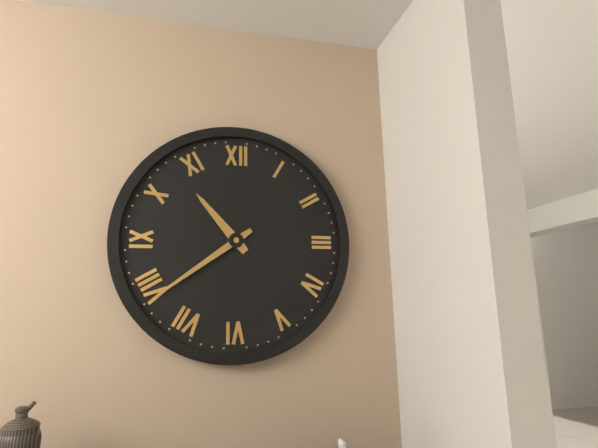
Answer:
10,39
